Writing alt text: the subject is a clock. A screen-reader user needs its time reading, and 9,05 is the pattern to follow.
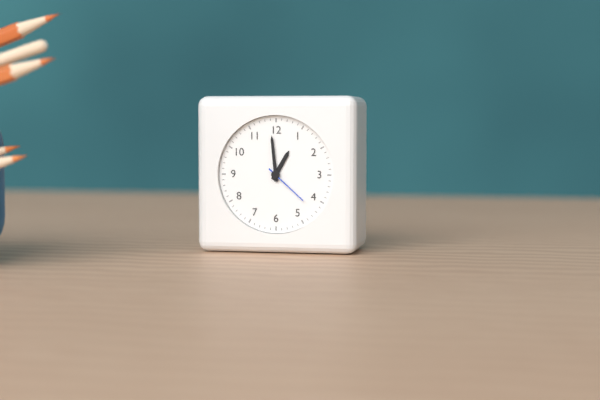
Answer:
12,59
